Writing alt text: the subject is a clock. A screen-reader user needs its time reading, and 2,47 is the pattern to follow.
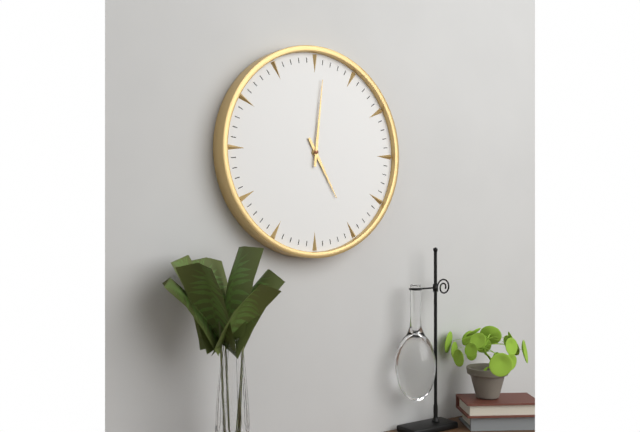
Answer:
5,01
